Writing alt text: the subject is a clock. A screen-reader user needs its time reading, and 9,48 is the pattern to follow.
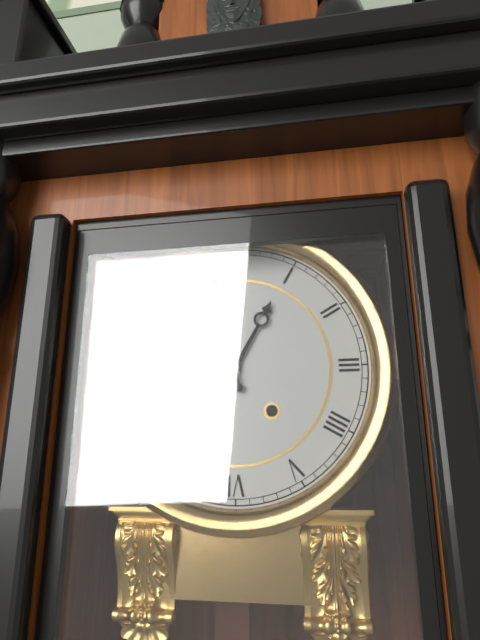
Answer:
12,58
